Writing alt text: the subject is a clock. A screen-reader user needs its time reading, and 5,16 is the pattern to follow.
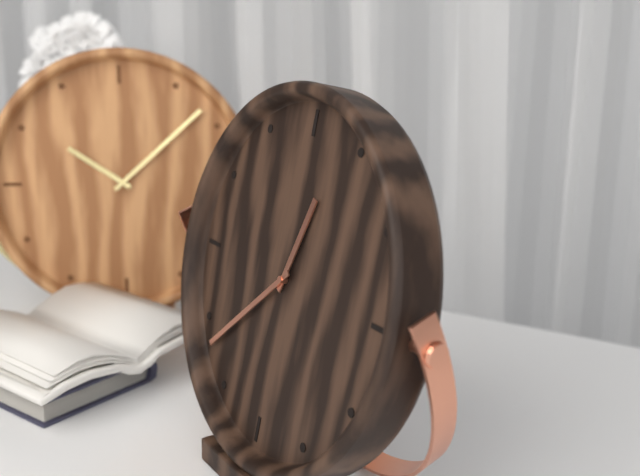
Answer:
12,38
